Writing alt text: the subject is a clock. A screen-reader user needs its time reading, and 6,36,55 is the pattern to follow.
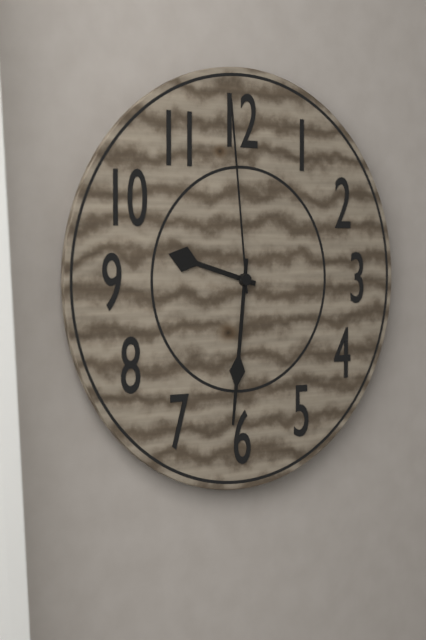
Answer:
9,31,59
